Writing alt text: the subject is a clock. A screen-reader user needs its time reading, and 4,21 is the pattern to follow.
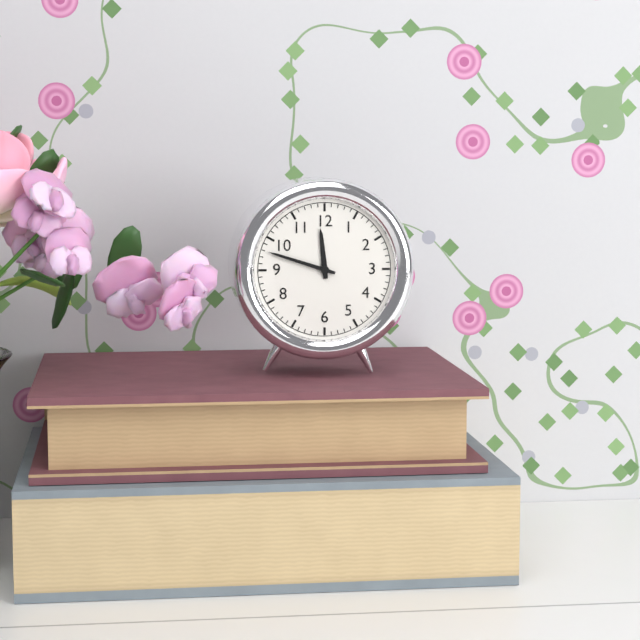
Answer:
11,48
